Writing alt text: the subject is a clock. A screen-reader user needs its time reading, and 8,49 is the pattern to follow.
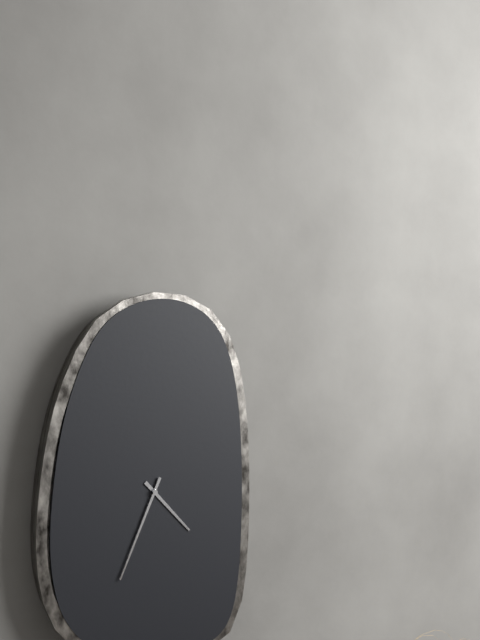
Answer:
4,34
